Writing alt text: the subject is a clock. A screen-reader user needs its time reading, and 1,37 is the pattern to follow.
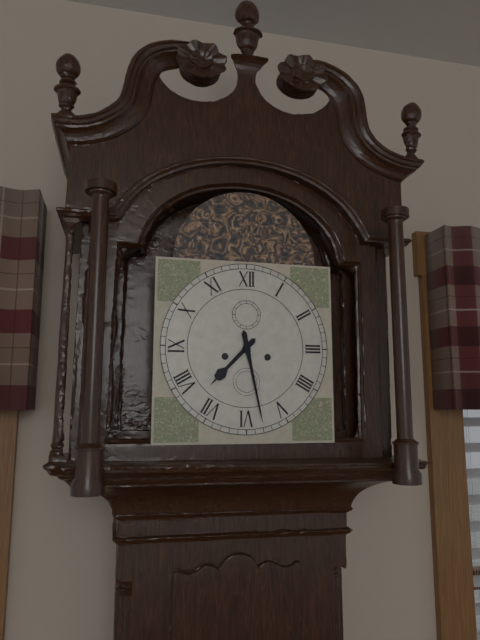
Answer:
7,28
